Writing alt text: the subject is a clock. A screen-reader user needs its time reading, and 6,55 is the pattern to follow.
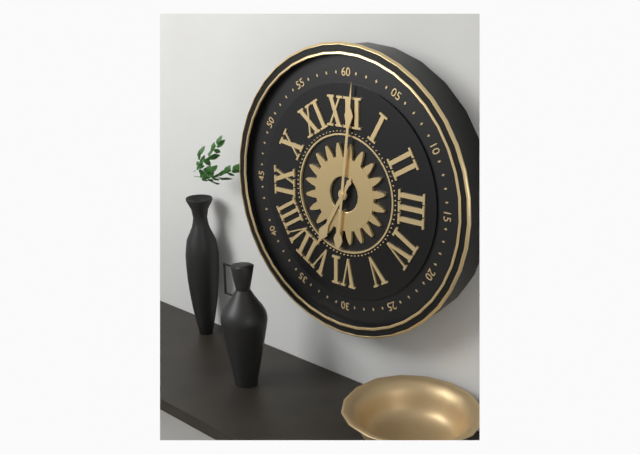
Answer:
7,01
